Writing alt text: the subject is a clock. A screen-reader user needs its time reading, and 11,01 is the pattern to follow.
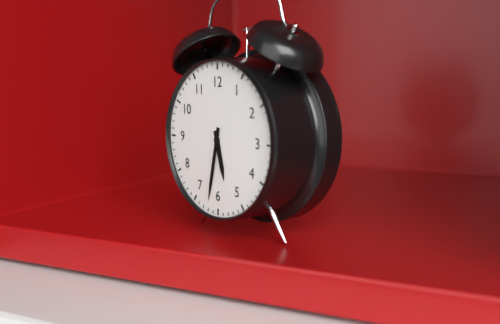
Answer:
5,32
